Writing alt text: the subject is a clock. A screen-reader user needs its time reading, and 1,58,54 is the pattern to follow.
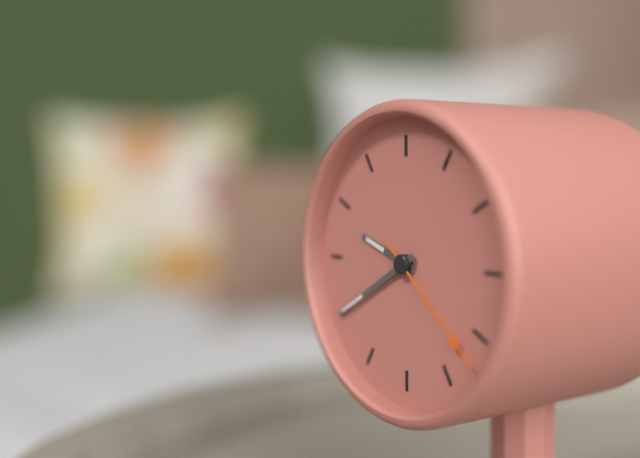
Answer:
9,40,22
